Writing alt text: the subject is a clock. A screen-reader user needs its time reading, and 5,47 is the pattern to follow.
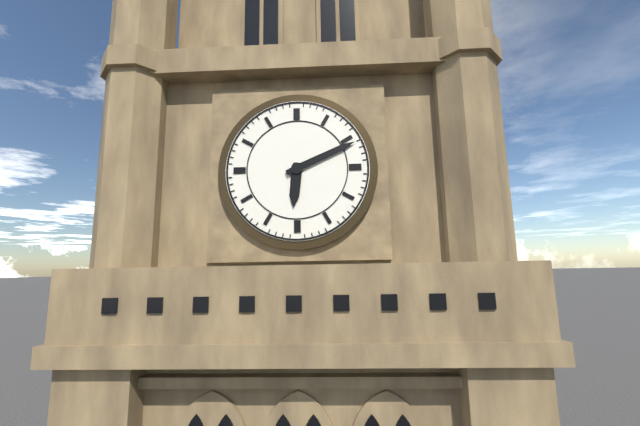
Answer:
6,11
